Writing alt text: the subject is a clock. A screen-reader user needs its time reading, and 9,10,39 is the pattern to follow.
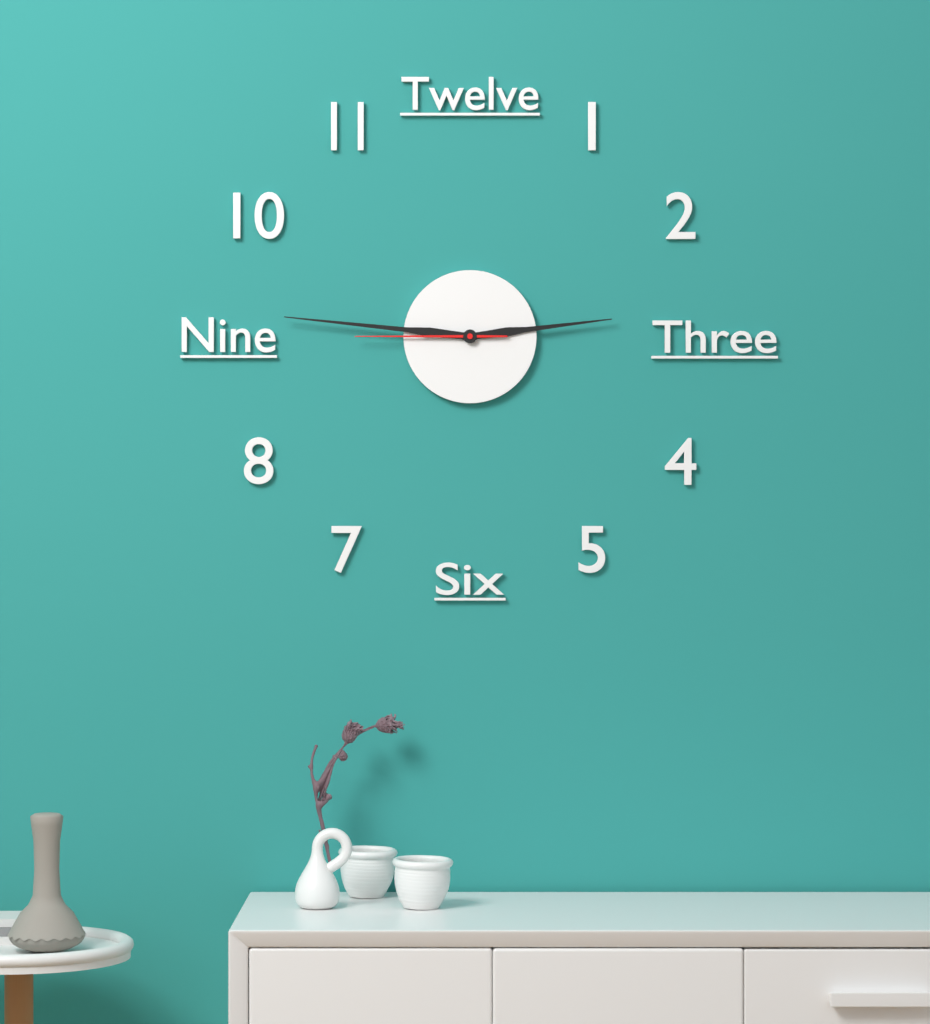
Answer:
2,46,45
